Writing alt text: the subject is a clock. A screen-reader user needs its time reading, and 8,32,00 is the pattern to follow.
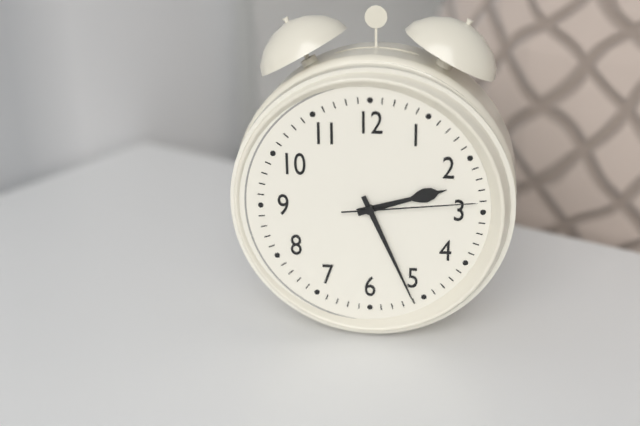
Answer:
2,26,14
